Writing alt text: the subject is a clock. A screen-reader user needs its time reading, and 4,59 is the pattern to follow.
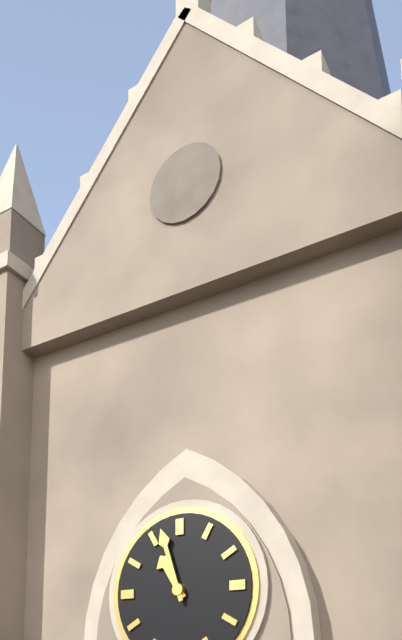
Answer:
10,57
